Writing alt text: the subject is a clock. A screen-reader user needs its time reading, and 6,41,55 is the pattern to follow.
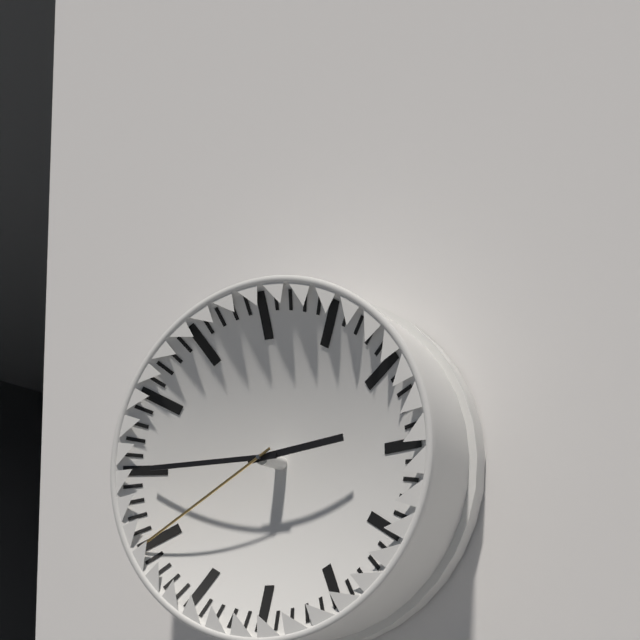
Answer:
2,45,40
